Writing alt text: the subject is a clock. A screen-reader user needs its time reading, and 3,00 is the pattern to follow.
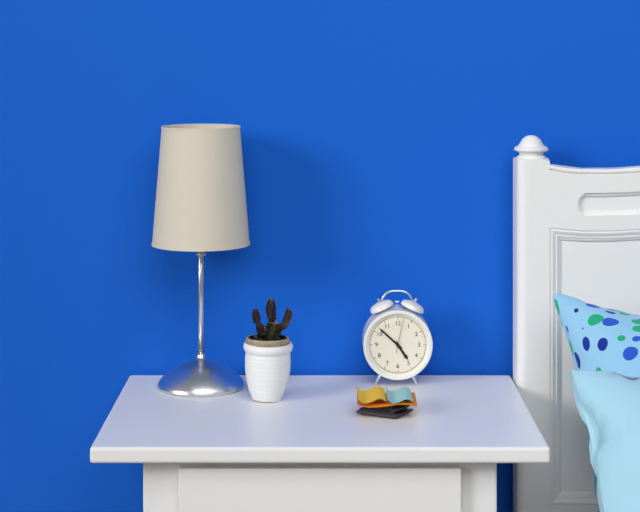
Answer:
4,52
